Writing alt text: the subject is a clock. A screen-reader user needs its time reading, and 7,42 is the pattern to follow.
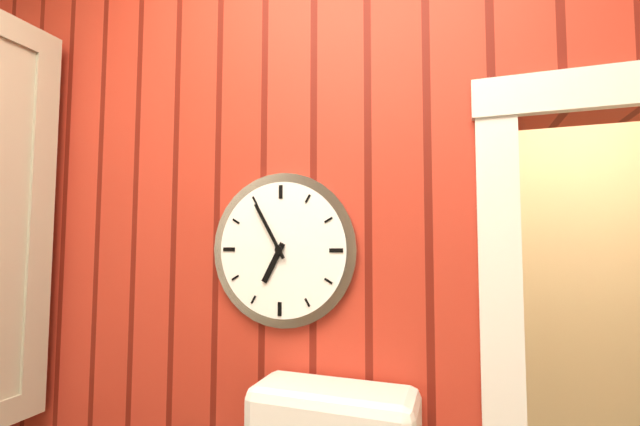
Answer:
6,55
